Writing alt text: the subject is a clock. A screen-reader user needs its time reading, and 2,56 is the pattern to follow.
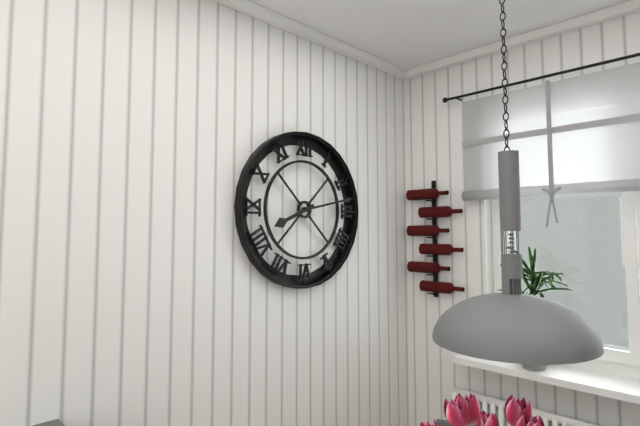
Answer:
8,13
